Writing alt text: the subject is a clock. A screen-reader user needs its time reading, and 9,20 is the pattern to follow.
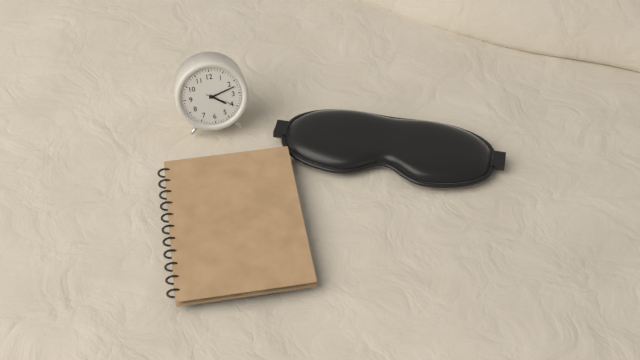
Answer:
4,12
